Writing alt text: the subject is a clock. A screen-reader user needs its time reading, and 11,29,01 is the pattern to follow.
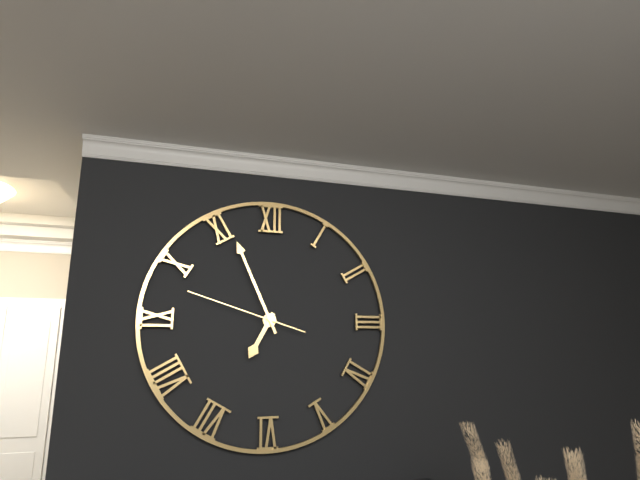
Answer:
6,56,48
